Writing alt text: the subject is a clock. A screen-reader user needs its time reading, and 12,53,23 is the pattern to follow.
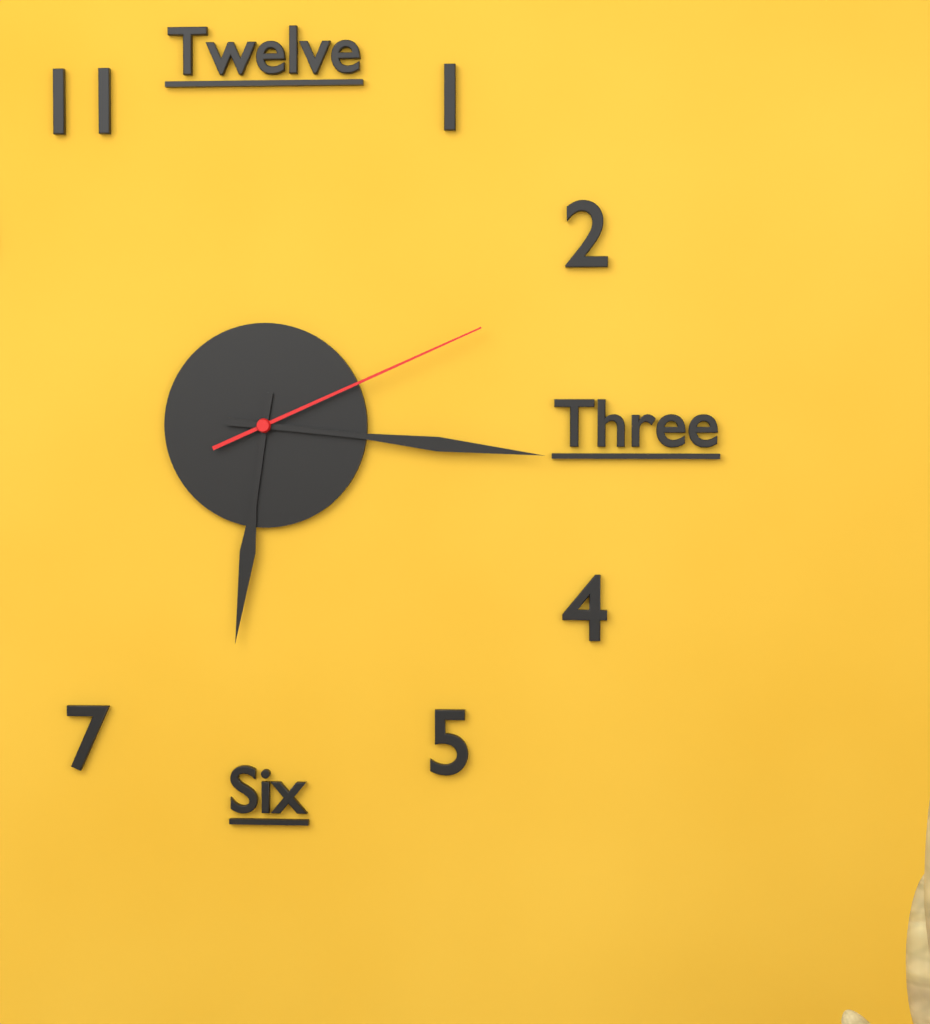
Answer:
6,16,11
